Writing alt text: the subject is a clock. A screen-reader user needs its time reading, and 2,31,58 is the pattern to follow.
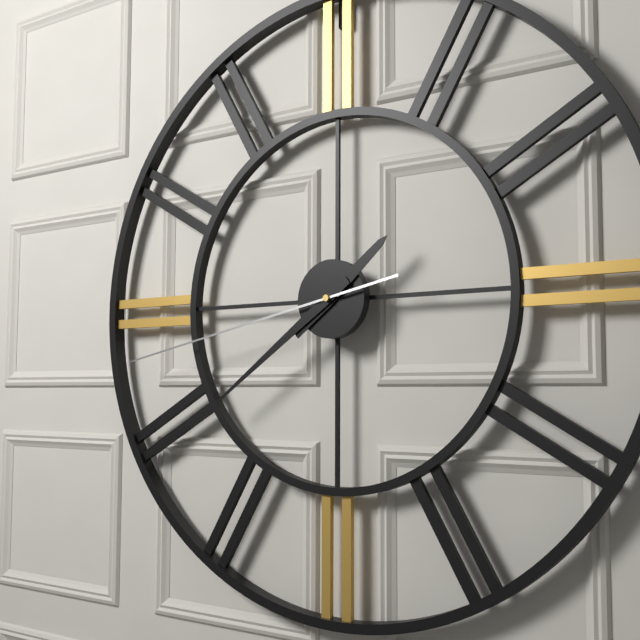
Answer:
1,39,43
